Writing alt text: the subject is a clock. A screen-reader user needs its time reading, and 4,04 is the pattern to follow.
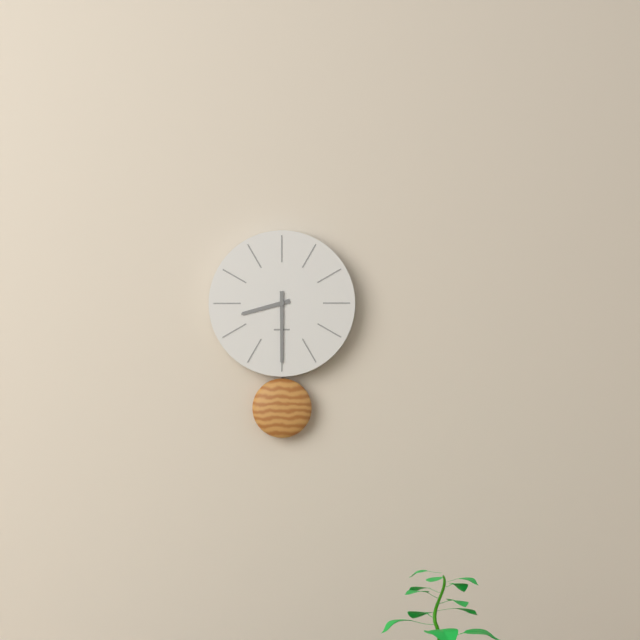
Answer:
8,30
